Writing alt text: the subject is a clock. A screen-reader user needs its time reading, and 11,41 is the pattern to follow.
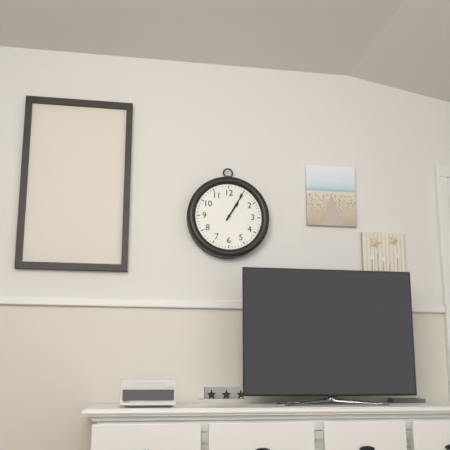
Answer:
1,05
